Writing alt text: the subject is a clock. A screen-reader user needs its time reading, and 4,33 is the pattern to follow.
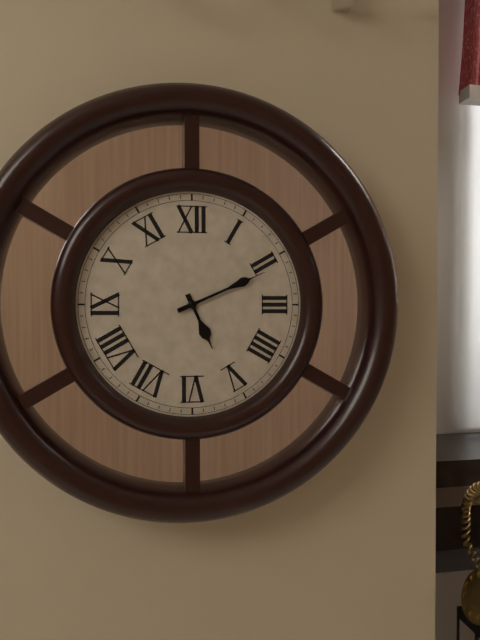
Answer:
5,11
